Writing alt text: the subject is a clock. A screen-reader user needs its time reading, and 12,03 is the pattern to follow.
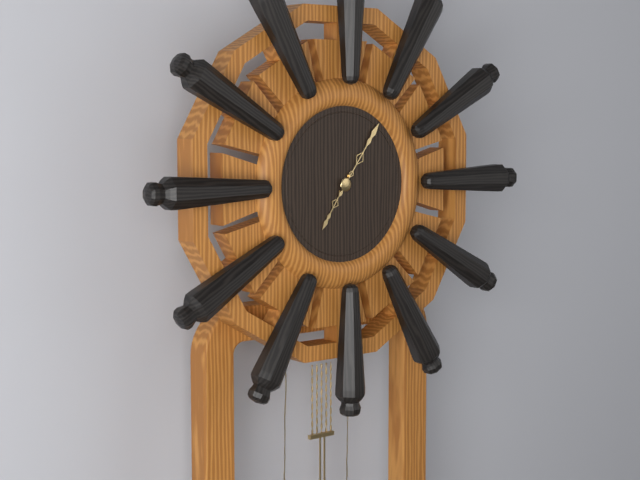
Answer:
7,06
